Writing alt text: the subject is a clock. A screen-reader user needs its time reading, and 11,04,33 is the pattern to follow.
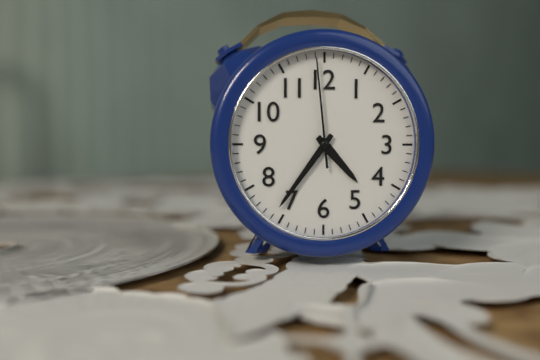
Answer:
4,36,59
